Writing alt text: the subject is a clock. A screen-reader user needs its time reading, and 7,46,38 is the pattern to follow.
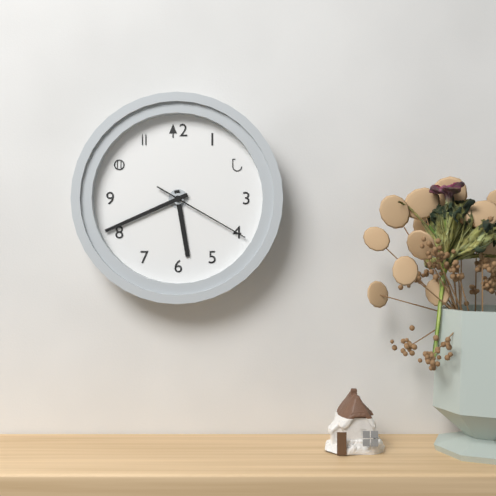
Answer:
5,41,20
